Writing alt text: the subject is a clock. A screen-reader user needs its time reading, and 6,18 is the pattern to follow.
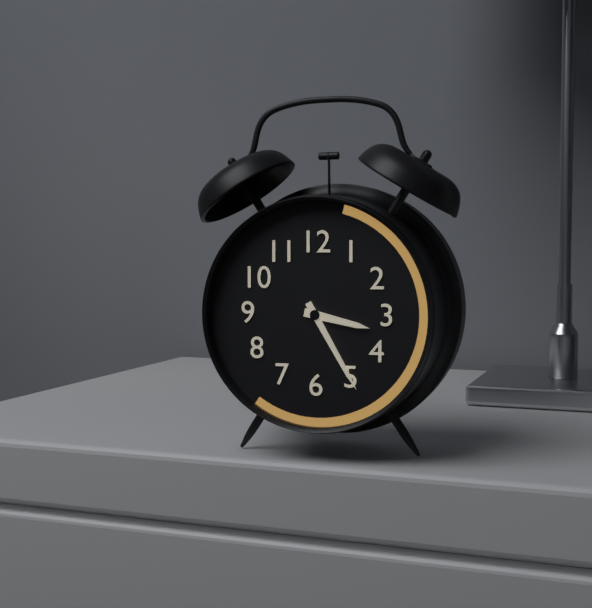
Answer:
3,25
